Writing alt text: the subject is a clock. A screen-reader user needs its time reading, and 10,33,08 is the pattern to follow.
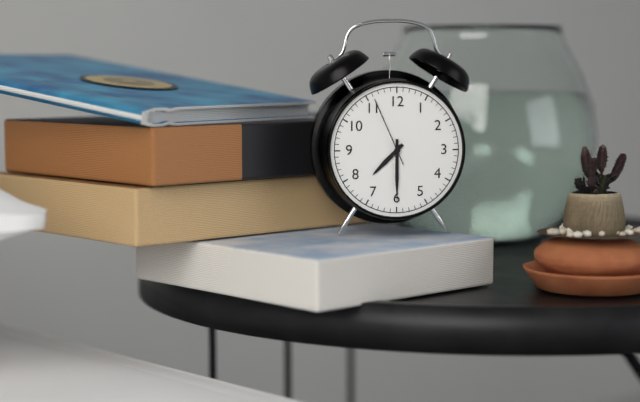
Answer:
7,30,56
